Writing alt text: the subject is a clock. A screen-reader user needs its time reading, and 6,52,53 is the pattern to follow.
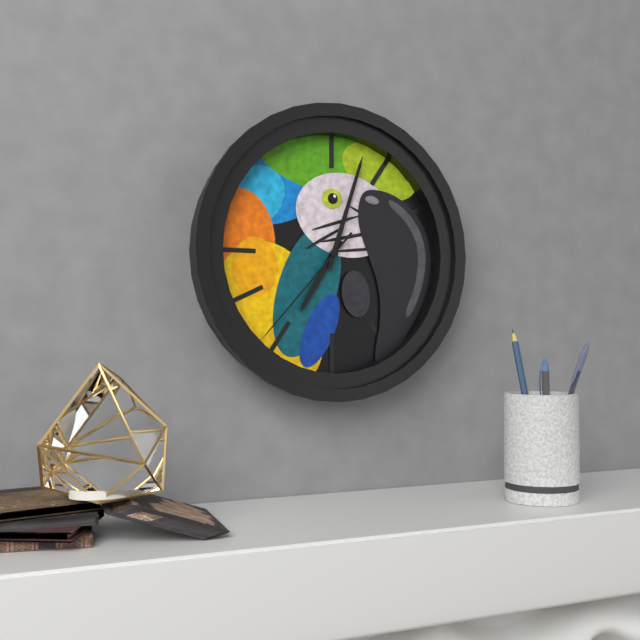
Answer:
7,03,37
